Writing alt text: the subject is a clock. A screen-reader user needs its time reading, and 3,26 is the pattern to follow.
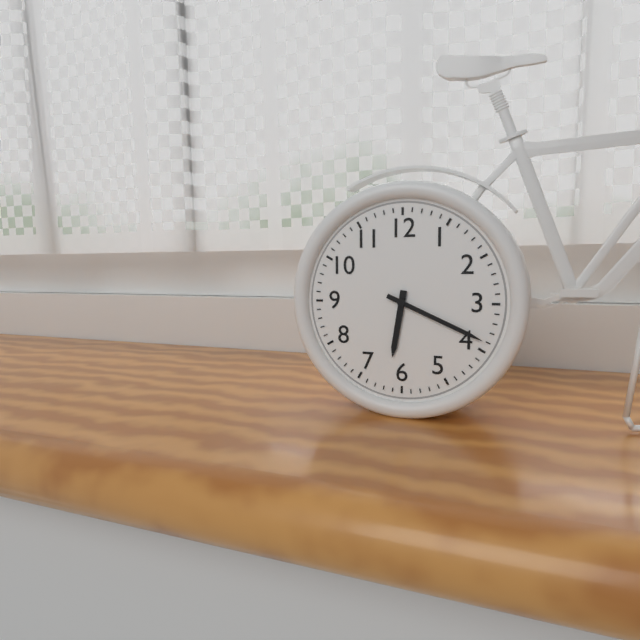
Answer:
6,19
